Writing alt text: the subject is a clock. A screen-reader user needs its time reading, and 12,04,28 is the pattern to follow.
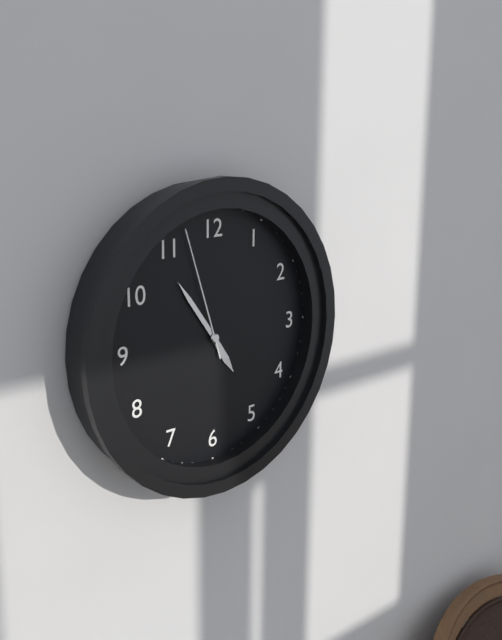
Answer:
4,54,57
